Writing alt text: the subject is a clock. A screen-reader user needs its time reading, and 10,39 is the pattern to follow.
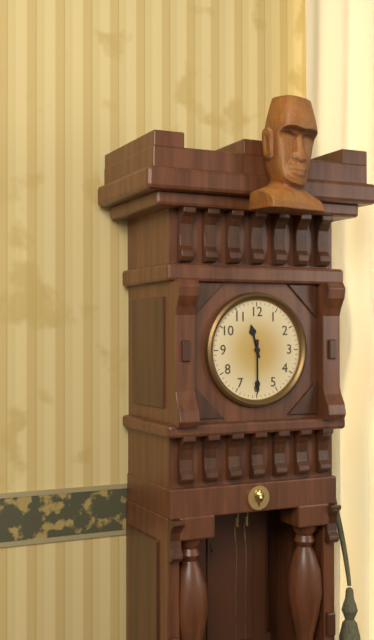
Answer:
11,30
